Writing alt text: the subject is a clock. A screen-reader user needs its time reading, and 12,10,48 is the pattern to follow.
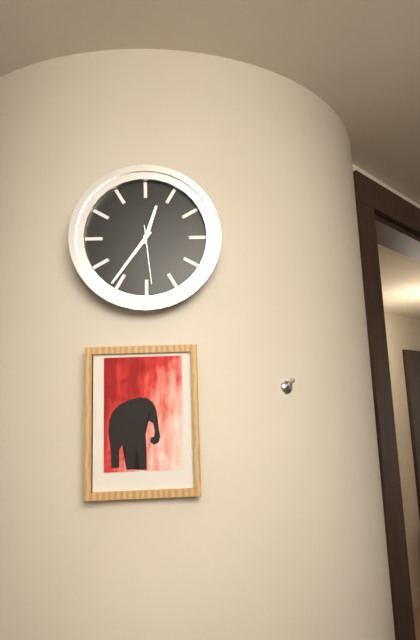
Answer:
12,36,29
